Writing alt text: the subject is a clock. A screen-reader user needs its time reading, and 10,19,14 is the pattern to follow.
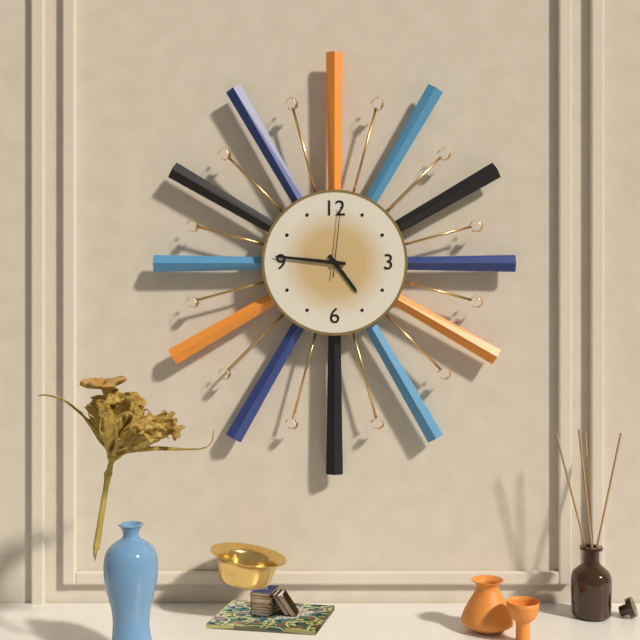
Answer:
4,46,01
